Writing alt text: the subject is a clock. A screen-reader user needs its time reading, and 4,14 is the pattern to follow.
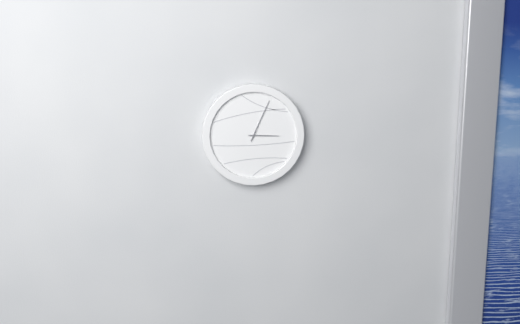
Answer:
3,04
